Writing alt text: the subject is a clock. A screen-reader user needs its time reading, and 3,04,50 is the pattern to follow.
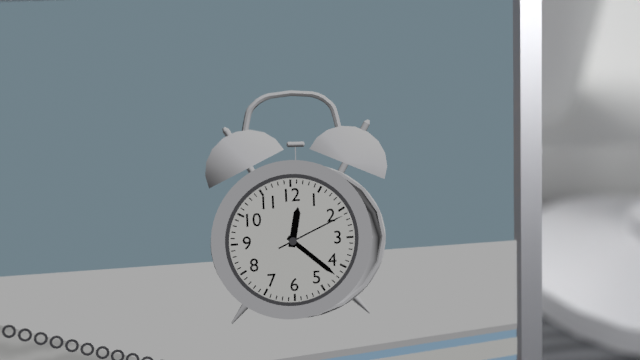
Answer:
12,22,11
